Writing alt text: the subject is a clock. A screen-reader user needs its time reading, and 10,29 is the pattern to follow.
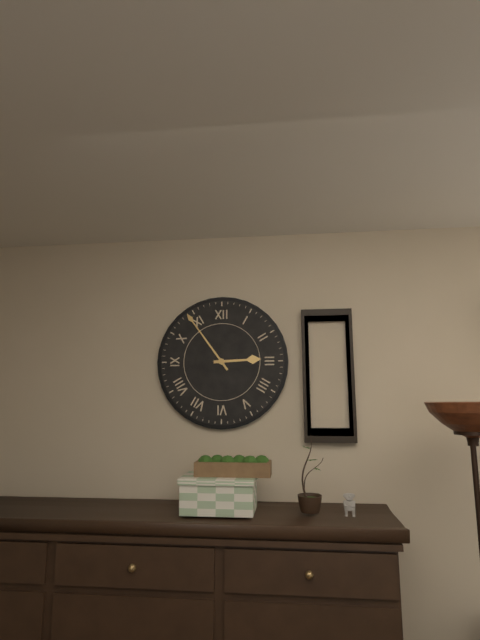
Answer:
2,54
